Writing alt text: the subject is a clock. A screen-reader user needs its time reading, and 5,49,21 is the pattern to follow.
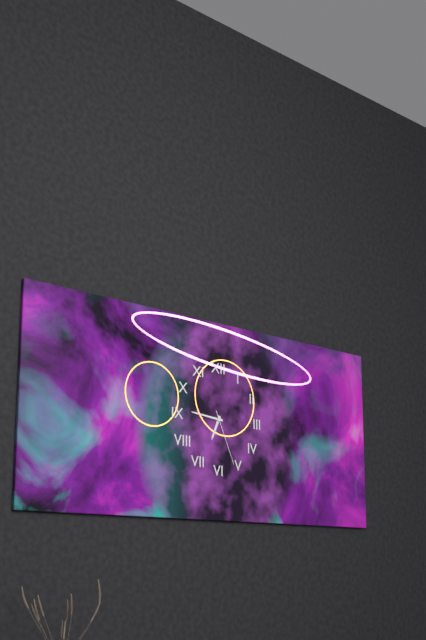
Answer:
6,46,26
